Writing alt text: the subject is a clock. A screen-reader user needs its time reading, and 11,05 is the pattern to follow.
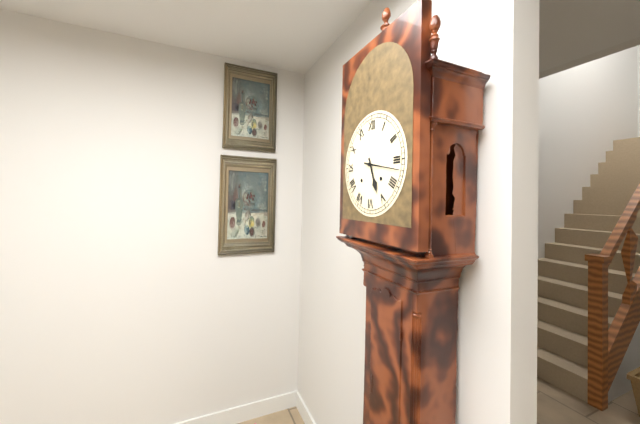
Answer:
5,17
